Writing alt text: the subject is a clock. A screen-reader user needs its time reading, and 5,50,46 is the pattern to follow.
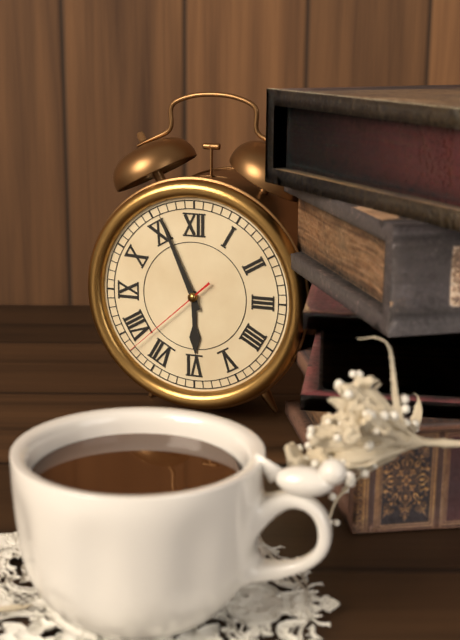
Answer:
5,56,38
